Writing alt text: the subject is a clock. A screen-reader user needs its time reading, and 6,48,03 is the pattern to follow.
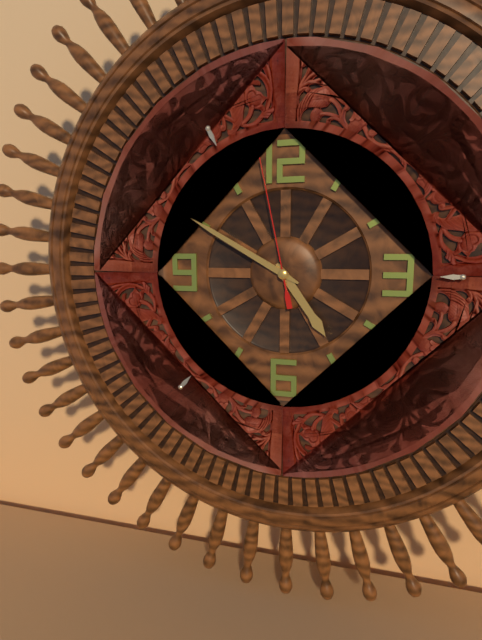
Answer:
4,50,58
